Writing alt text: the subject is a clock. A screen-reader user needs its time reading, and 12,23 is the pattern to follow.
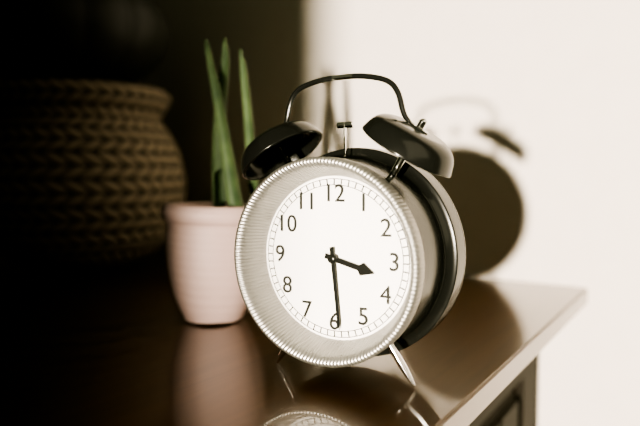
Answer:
3,29
